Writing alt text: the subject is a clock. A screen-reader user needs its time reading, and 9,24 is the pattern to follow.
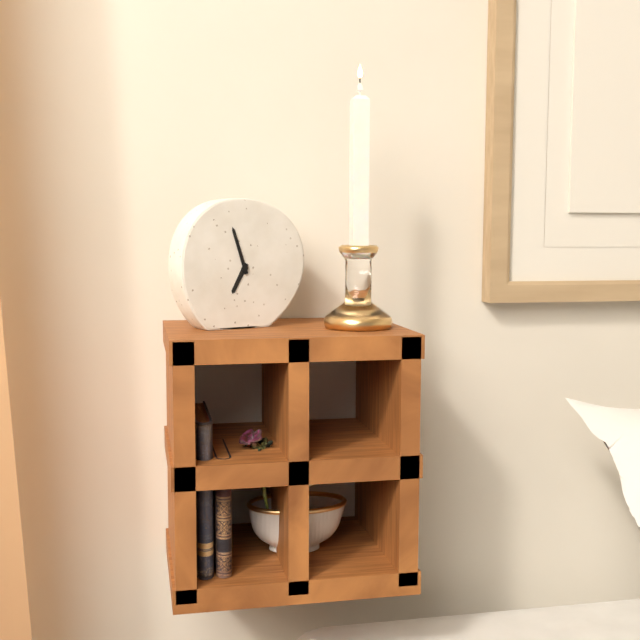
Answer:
6,57
